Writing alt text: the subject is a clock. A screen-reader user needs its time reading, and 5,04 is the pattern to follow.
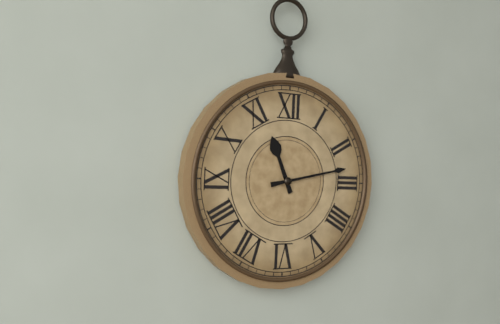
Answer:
11,13
